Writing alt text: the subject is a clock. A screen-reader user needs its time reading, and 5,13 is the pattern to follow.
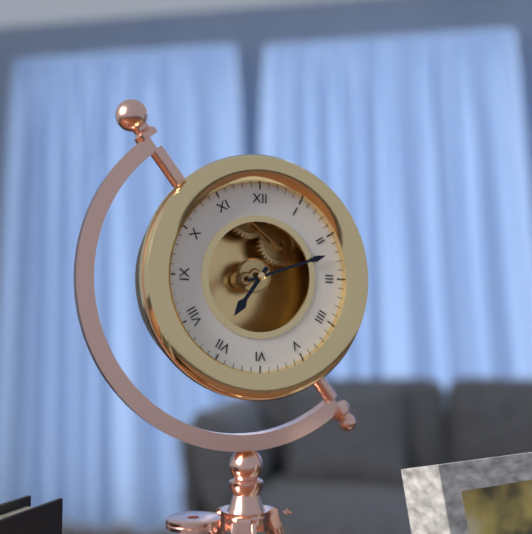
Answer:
7,12
